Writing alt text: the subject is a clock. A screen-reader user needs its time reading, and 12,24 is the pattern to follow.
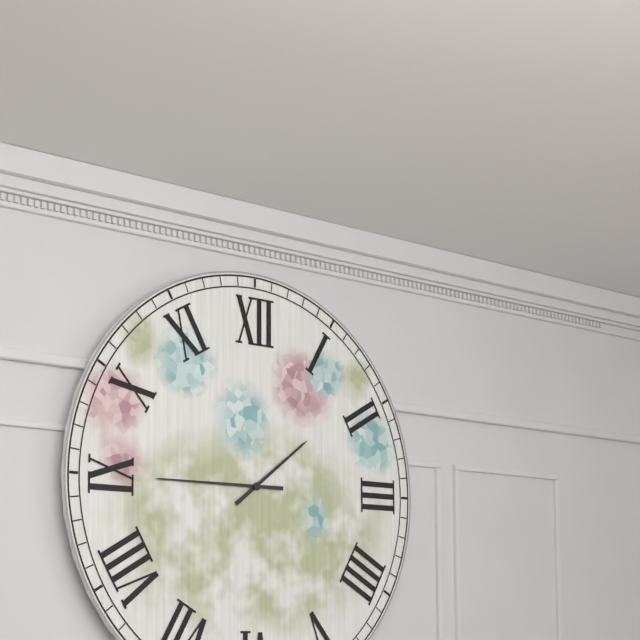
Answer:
1,45
